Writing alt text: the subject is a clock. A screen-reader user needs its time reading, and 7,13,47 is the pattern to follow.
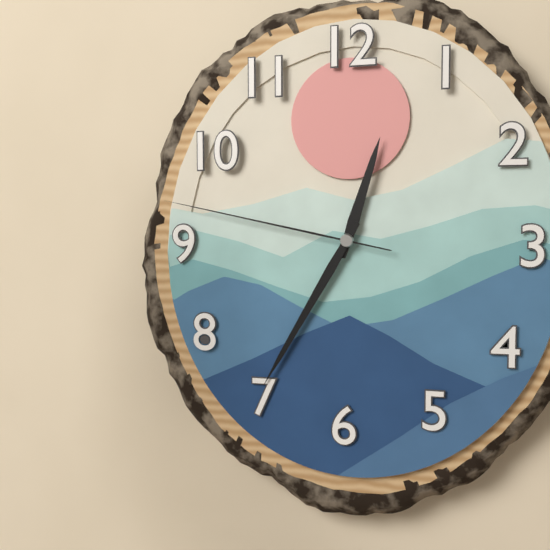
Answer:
12,35,47
